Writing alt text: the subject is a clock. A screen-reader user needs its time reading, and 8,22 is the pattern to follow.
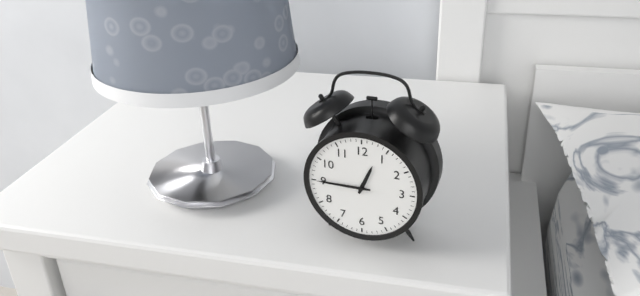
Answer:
12,45
